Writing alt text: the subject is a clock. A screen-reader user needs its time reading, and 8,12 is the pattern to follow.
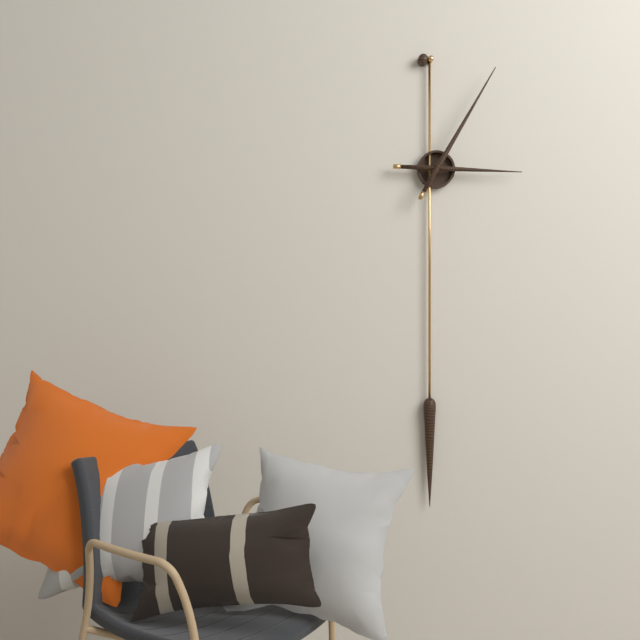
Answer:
3,05
